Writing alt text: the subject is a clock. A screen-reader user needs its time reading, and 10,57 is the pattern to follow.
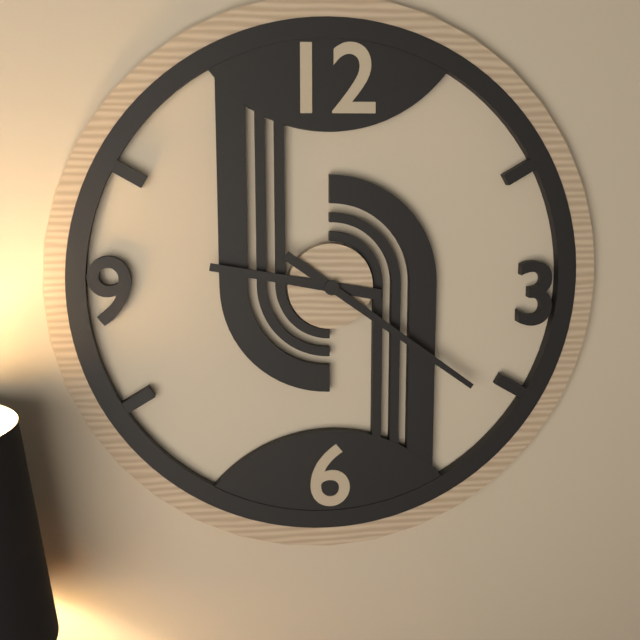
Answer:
9,21
